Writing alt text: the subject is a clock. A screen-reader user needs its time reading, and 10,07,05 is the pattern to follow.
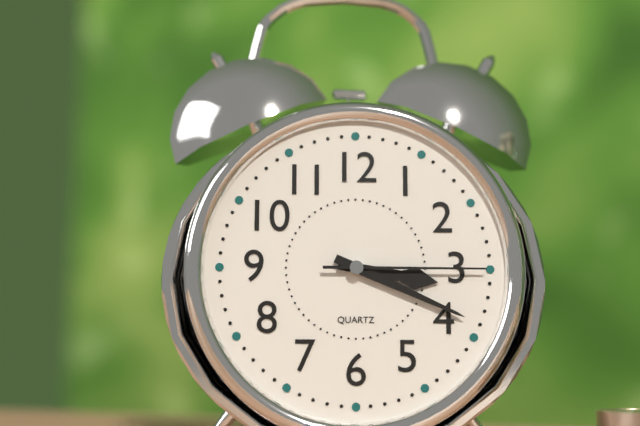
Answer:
3,19,15
